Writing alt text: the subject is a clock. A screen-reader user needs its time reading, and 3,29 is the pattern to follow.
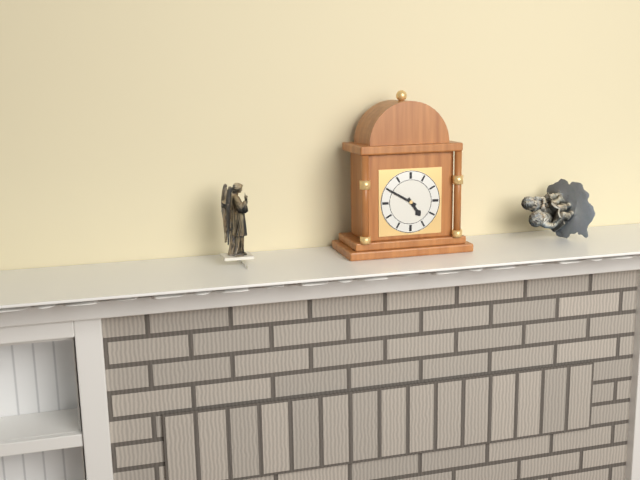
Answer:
4,50
